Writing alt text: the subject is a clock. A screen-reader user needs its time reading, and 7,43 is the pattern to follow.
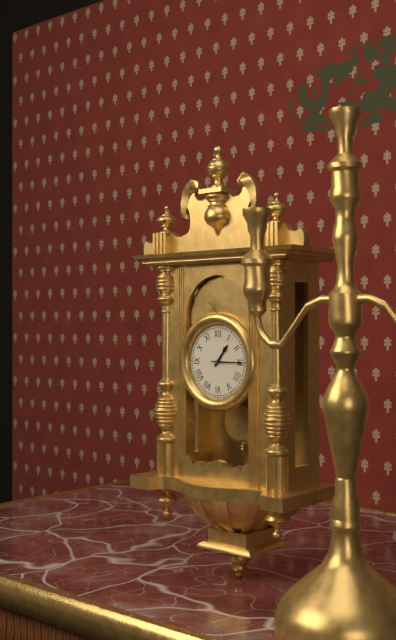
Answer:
1,15
